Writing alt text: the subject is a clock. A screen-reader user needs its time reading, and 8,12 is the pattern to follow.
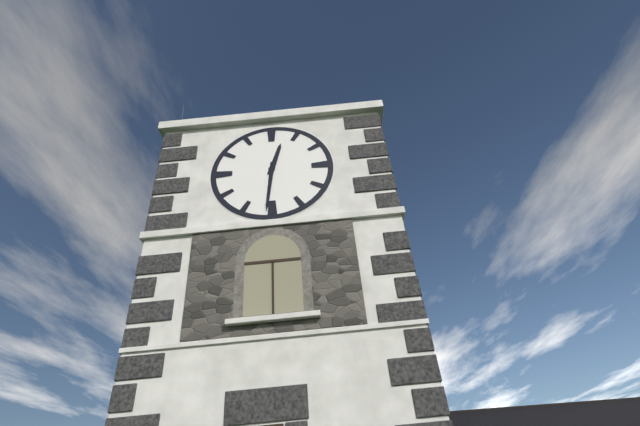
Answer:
12,31
